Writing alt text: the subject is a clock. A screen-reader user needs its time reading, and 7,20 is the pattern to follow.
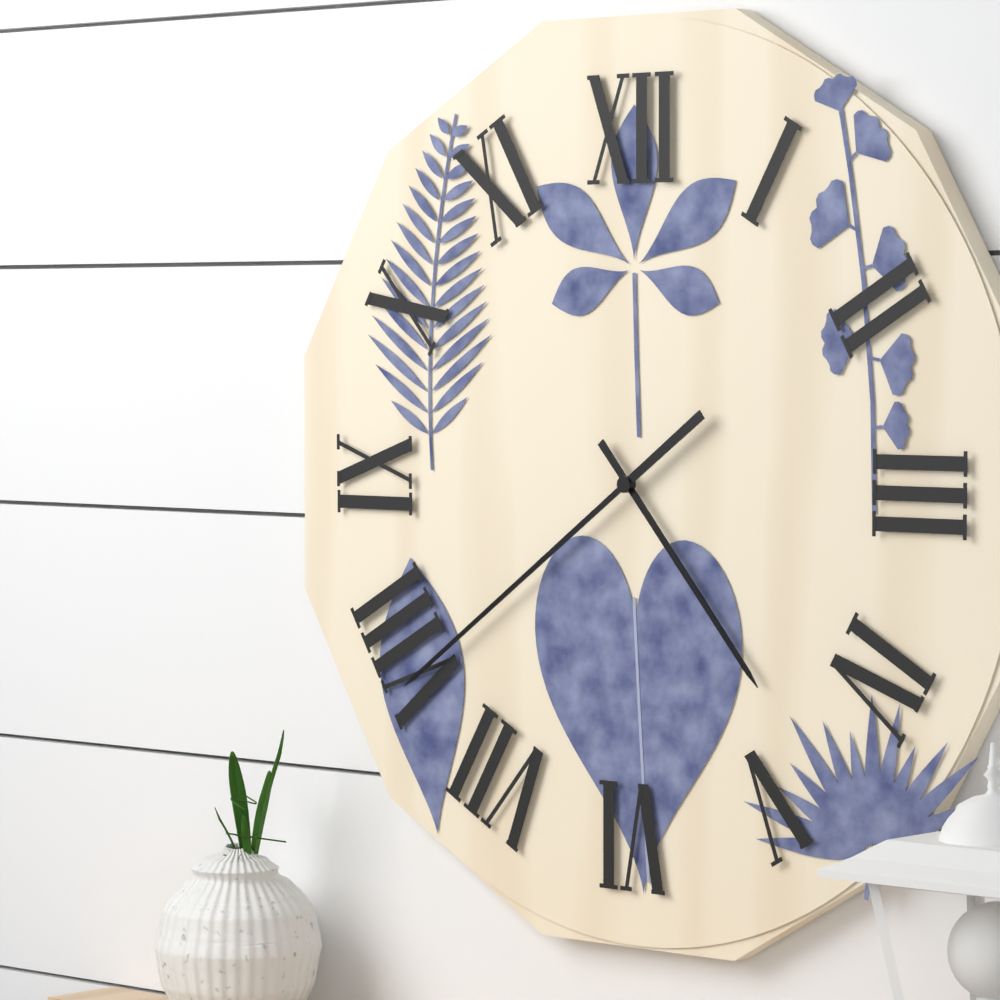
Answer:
4,39
